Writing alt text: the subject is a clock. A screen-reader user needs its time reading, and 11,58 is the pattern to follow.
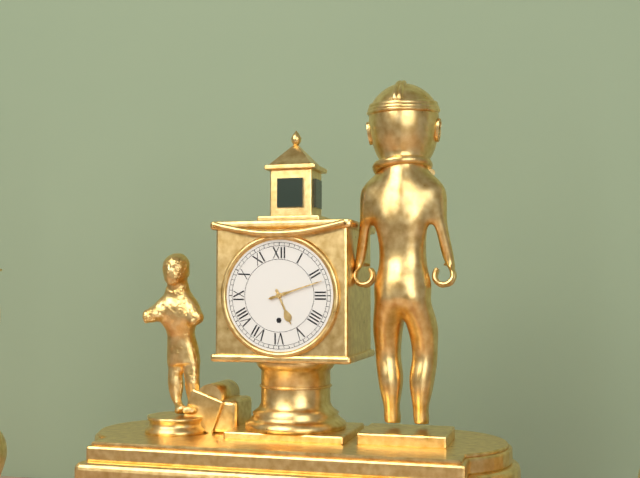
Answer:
5,12
